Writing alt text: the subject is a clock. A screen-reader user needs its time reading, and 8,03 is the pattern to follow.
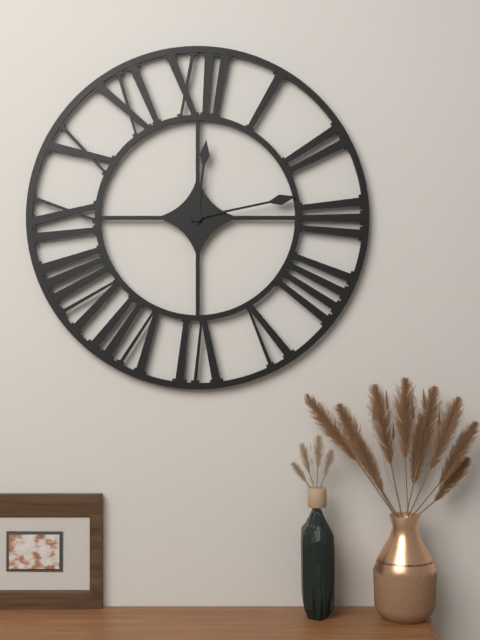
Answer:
12,13
